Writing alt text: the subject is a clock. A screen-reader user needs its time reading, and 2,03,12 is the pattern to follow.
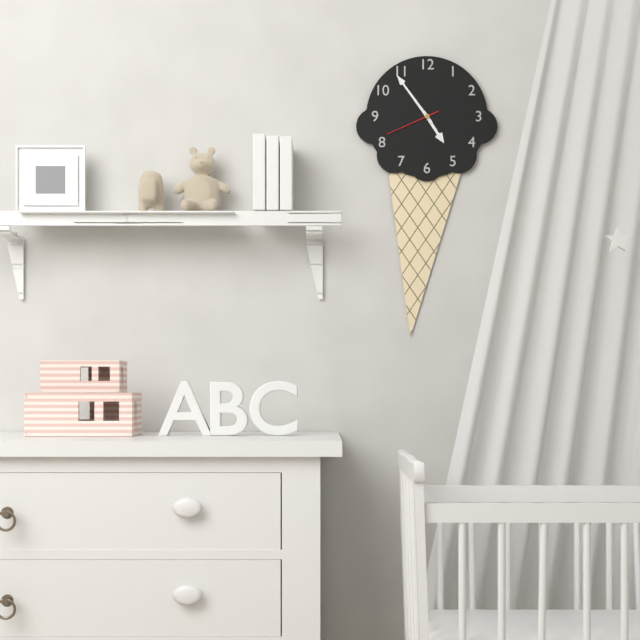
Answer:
4,54,41
